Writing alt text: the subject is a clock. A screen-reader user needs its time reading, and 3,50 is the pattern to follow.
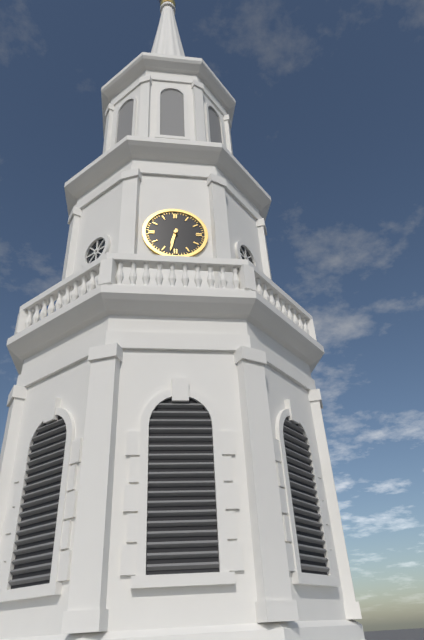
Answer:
6,32
